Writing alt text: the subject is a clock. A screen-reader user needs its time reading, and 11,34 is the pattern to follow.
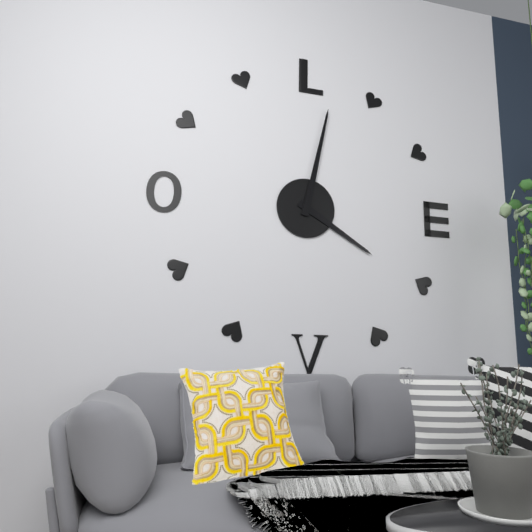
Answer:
4,02
